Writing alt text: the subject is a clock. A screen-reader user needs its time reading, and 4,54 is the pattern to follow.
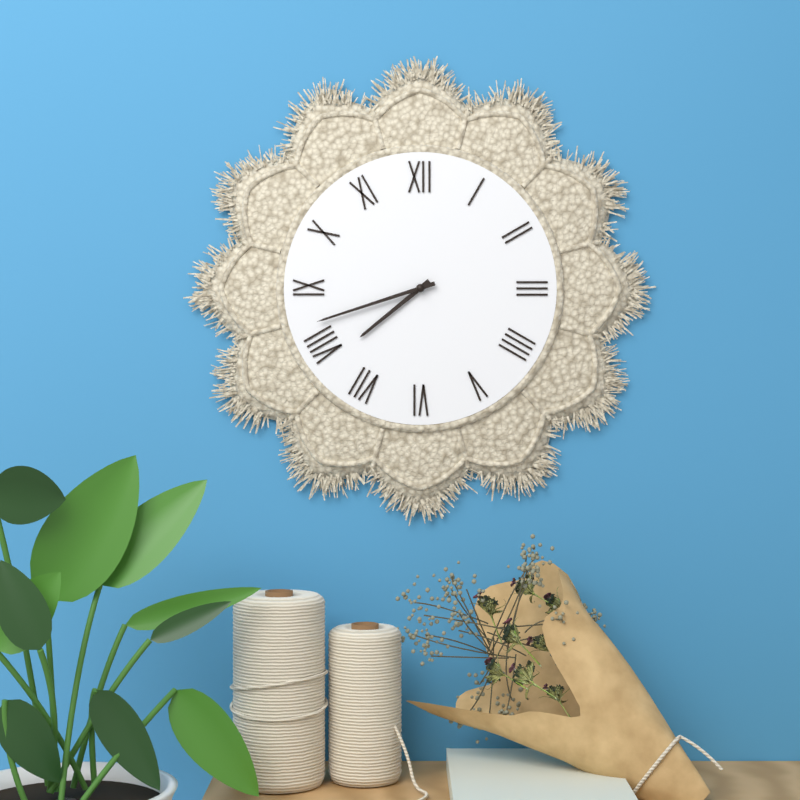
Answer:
7,42
